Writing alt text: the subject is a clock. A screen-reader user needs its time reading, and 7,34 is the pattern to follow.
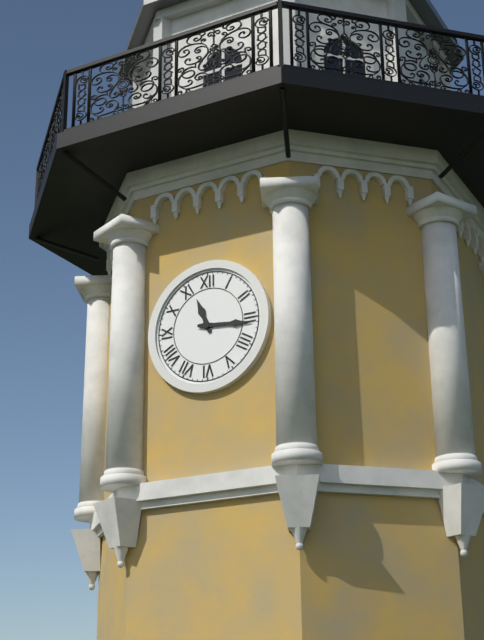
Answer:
11,16
